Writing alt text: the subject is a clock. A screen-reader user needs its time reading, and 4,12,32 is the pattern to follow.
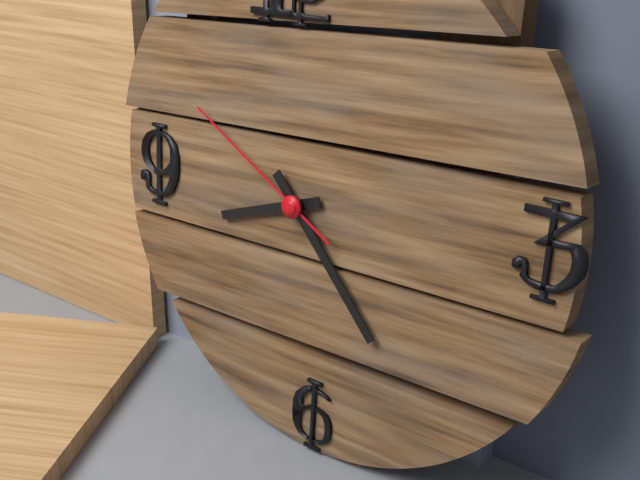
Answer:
8,23,50
